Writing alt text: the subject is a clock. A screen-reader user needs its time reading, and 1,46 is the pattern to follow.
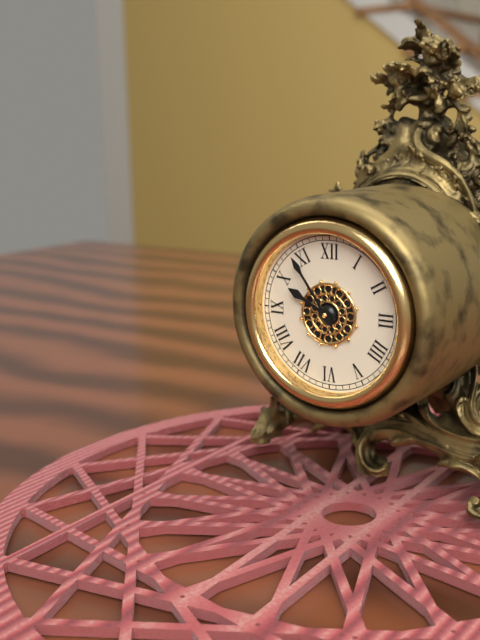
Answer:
9,54
